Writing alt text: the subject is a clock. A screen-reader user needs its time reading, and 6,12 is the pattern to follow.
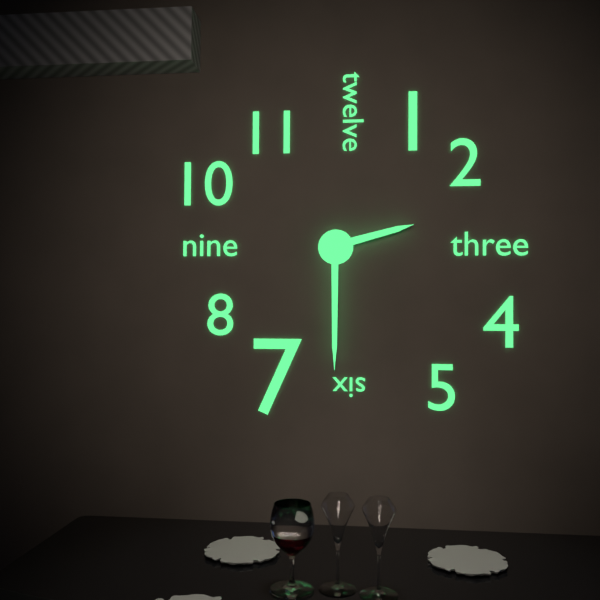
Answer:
2,30
